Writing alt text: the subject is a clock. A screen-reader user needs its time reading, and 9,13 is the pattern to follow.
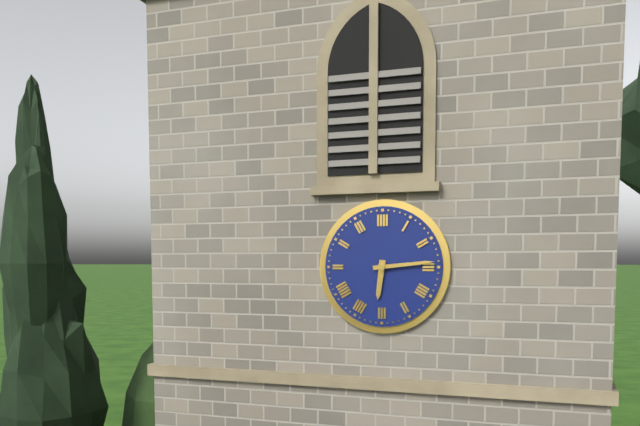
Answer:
6,14
